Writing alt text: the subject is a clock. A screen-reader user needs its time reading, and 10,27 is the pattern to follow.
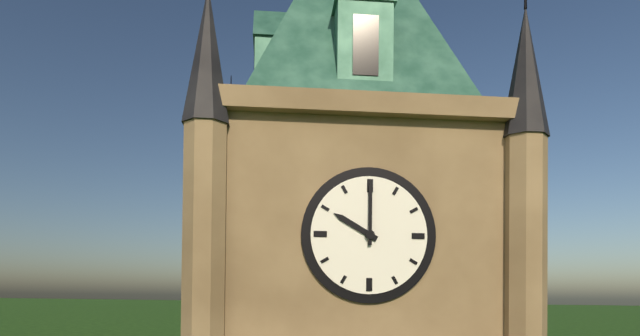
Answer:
10,00
